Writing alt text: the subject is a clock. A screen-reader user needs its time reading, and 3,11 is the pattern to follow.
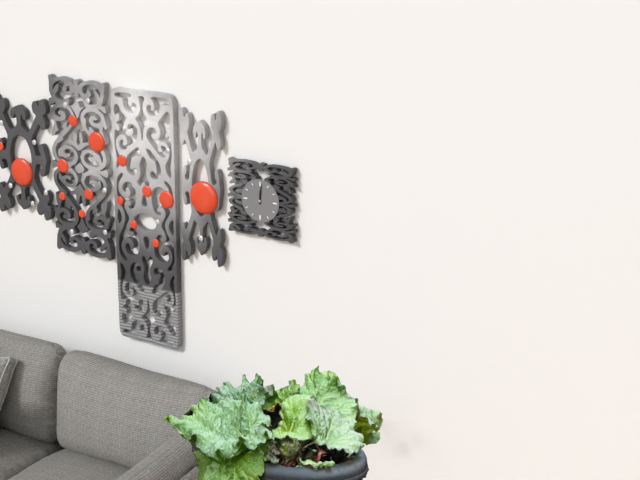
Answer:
12,01
